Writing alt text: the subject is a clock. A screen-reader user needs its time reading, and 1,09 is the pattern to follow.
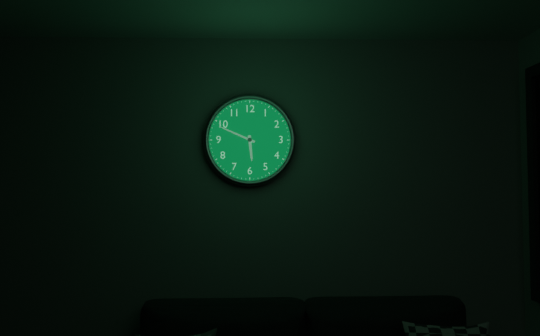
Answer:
5,49
